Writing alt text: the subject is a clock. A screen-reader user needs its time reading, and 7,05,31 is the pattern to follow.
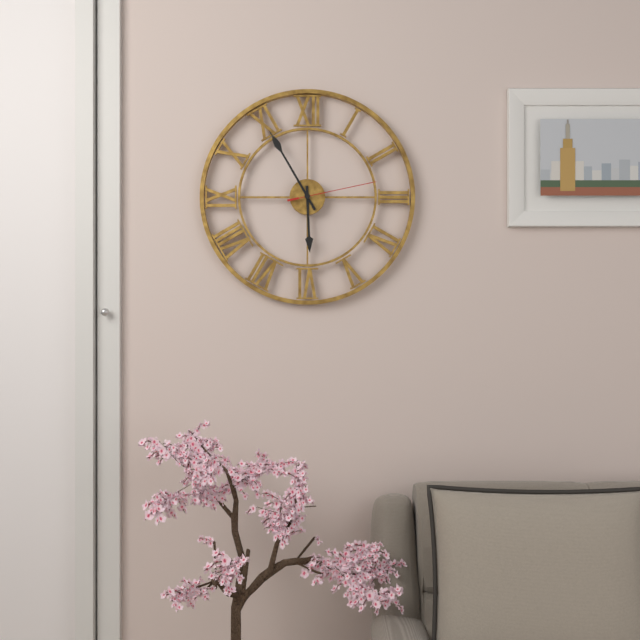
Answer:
5,55,13
